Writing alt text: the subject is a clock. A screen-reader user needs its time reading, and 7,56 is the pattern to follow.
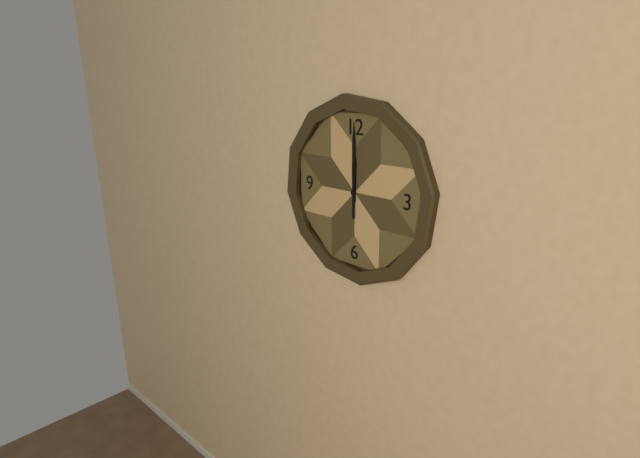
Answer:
12,00
